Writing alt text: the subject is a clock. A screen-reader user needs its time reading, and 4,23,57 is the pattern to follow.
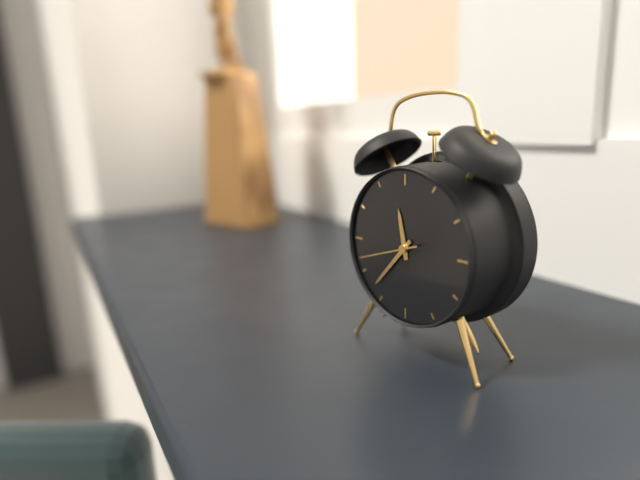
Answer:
11,37,42
